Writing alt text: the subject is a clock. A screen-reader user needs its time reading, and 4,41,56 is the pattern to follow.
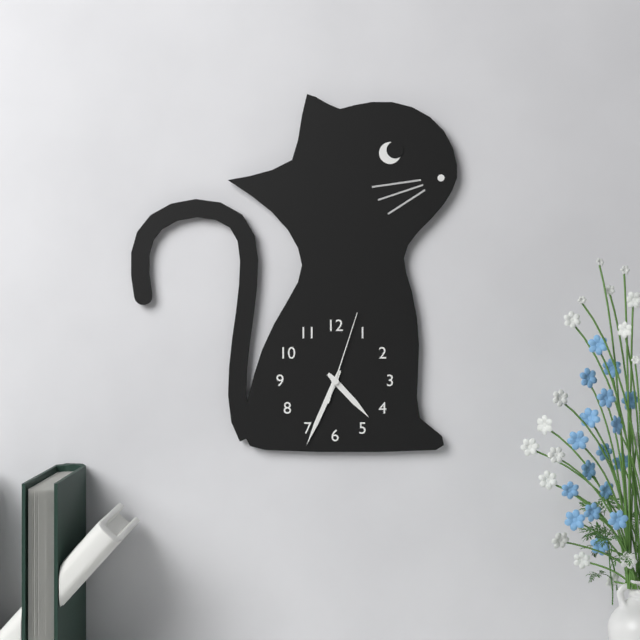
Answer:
4,34,03
